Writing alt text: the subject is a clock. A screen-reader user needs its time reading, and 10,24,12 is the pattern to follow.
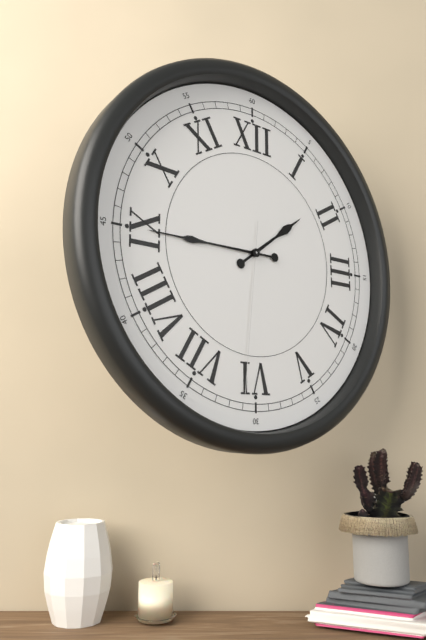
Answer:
1,45,31
